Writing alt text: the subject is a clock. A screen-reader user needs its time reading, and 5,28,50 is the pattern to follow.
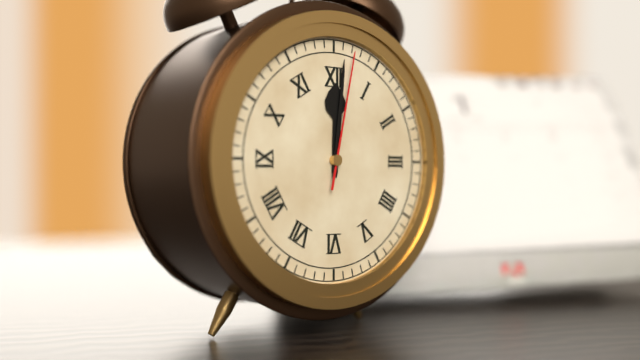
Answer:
12,01,02
